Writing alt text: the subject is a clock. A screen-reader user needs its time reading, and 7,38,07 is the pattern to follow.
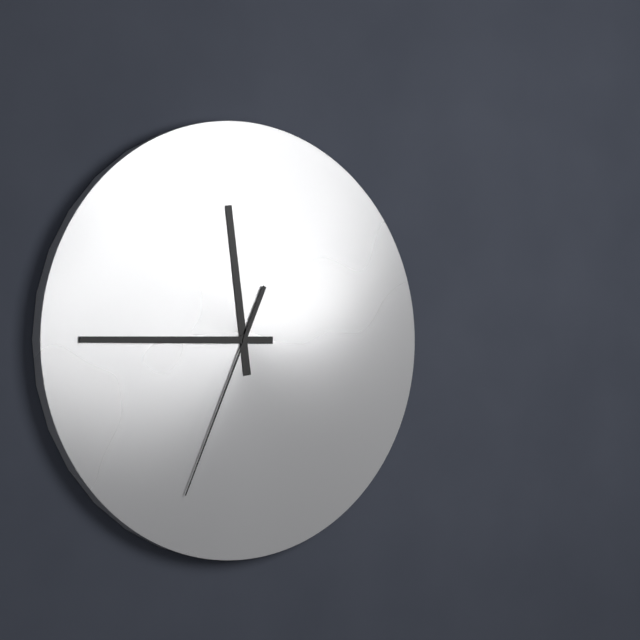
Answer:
11,45,34
